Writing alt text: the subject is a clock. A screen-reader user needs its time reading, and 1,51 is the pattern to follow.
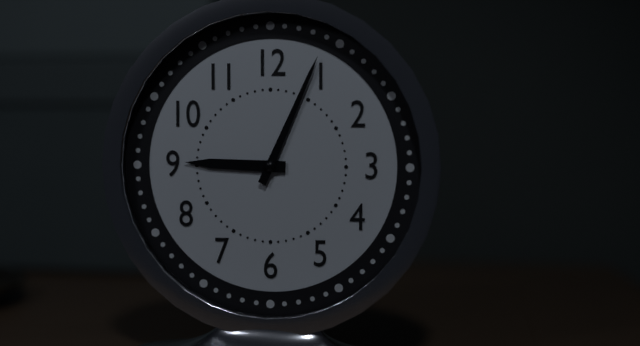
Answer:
9,04
